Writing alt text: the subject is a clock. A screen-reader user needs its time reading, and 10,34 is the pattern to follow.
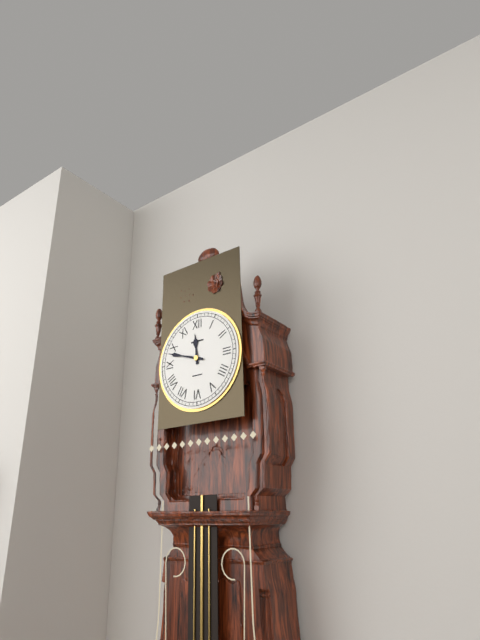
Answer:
11,48
